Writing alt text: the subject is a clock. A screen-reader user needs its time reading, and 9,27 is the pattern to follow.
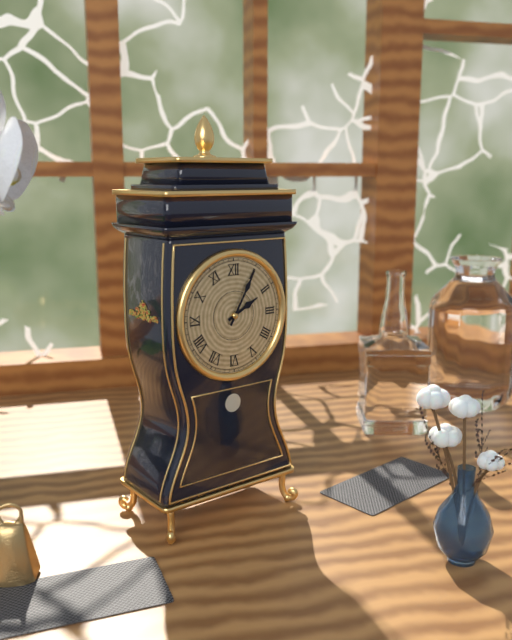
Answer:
2,05
